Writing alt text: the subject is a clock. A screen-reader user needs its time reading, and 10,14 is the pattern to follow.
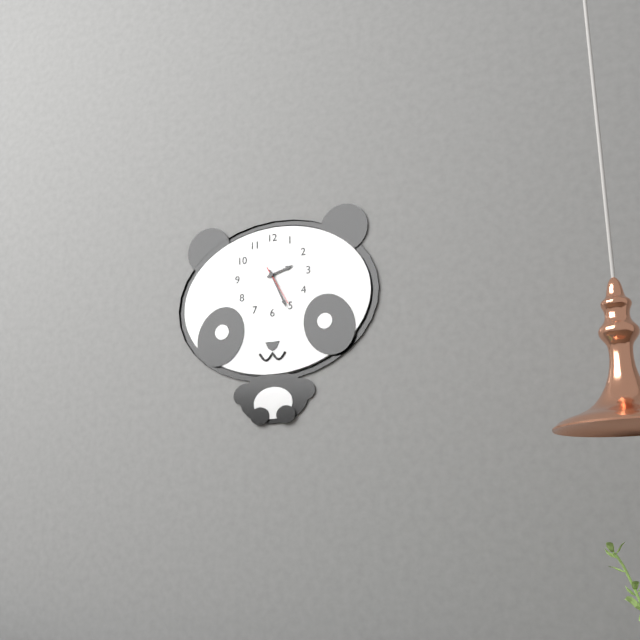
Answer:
2,26
